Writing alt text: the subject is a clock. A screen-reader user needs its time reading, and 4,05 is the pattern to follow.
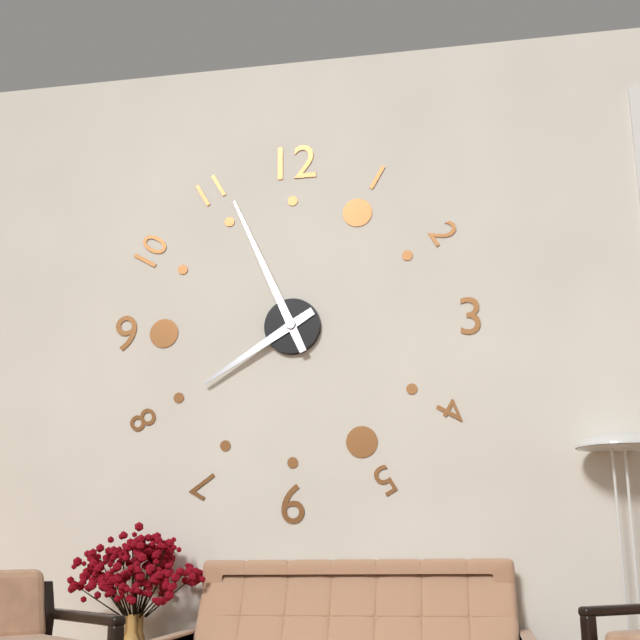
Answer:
7,56
